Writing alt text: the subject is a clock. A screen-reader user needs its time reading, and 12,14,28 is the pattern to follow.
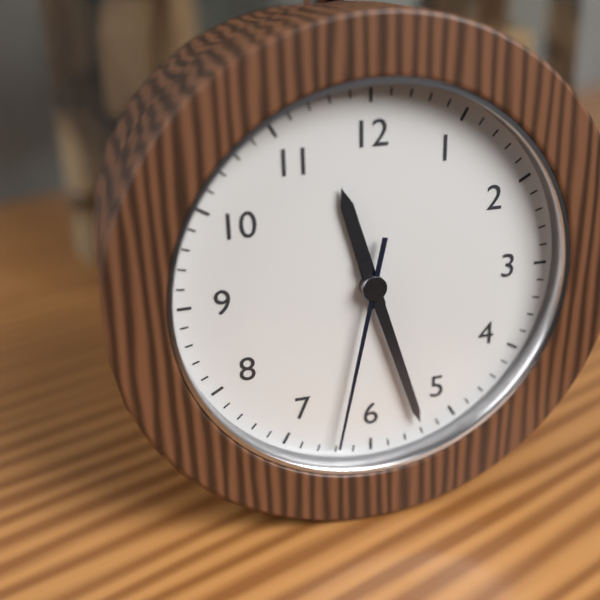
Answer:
11,27,32
